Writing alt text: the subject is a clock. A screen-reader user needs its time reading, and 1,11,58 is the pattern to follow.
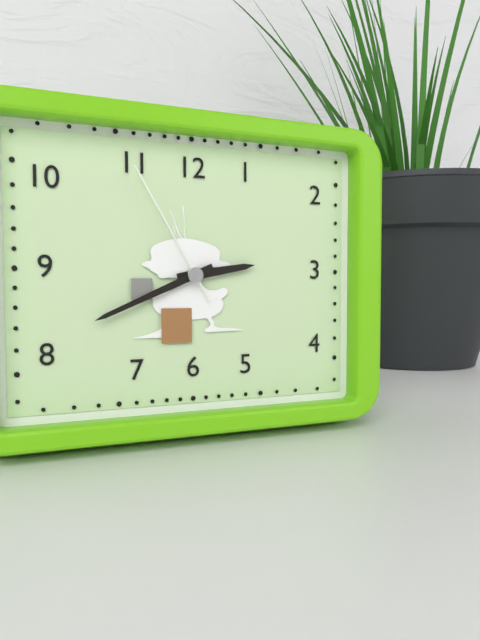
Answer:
2,41,55
